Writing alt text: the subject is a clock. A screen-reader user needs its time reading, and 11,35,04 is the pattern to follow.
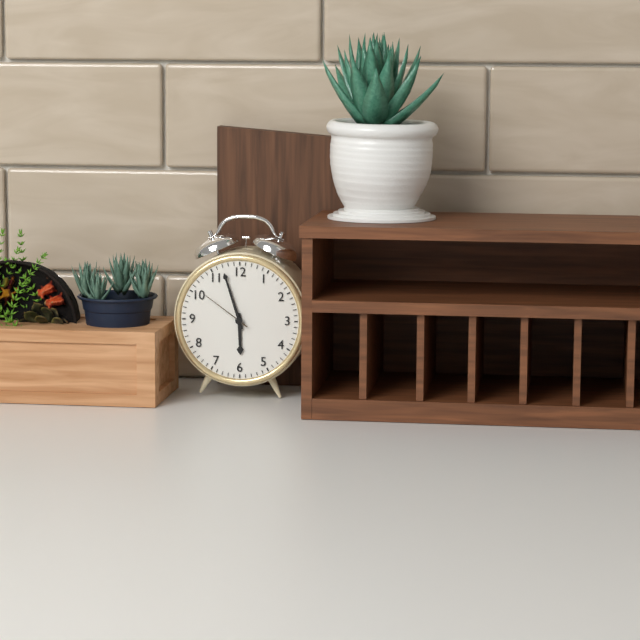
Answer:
5,57,51
